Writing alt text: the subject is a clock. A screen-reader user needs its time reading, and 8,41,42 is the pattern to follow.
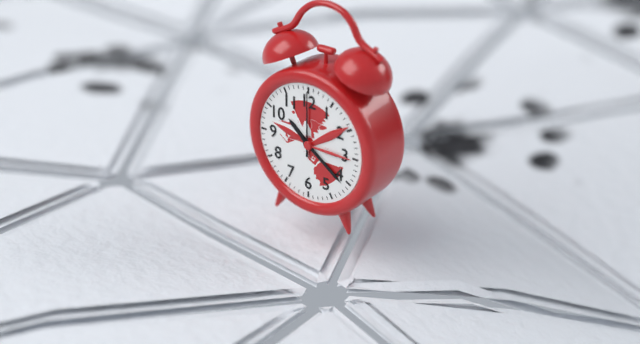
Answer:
10,21,00
